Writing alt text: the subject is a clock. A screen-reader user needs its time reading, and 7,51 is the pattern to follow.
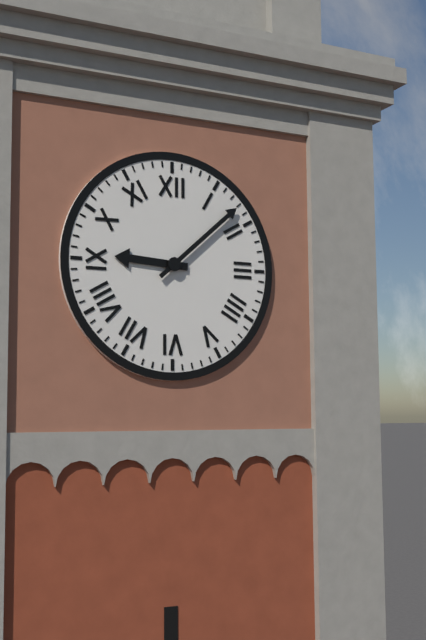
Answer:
9,08
